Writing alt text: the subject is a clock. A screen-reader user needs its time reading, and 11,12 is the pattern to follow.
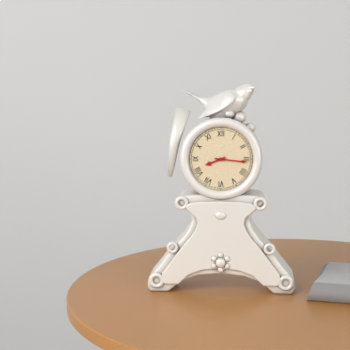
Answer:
8,16
